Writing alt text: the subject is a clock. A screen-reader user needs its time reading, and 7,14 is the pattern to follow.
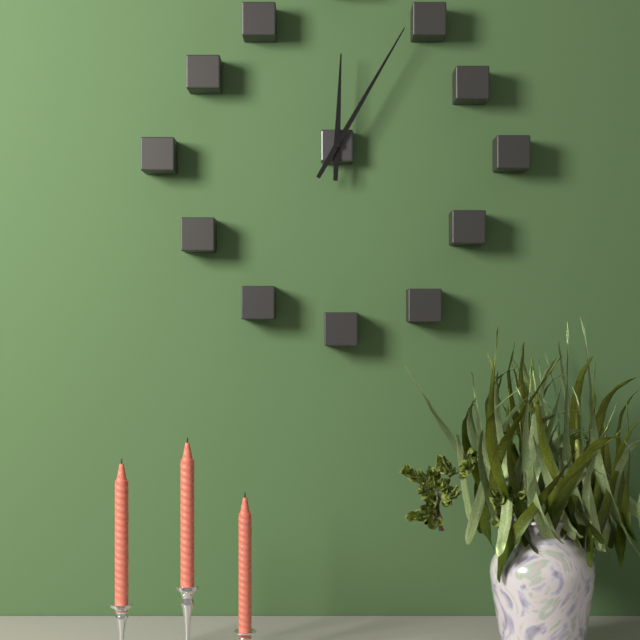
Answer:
12,05
